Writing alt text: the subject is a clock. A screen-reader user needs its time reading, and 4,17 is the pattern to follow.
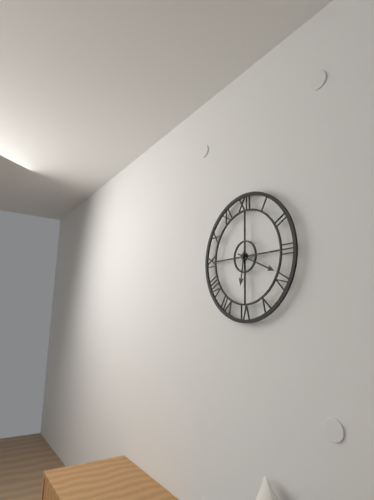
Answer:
6,19
